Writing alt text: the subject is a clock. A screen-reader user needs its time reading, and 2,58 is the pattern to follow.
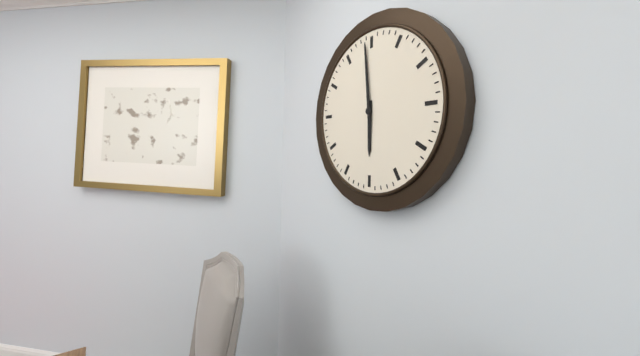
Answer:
5,59
